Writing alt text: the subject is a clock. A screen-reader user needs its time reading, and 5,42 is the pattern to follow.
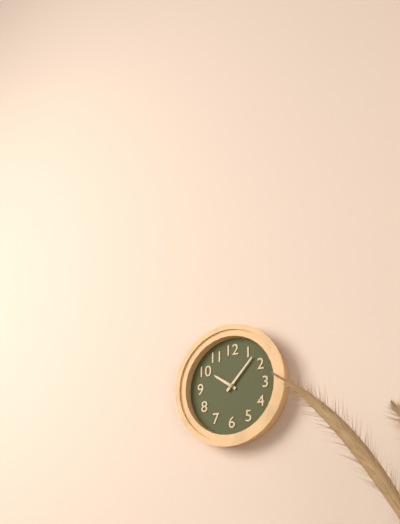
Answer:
10,07
